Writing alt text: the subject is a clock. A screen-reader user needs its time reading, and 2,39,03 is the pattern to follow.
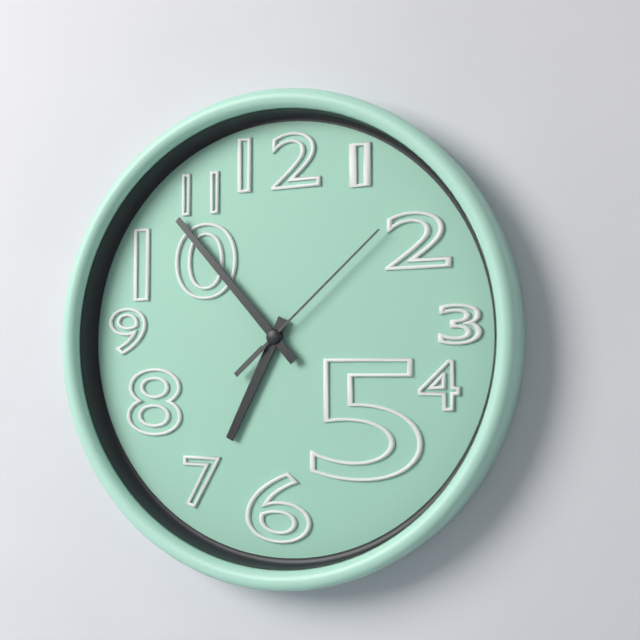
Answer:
6,53,08
